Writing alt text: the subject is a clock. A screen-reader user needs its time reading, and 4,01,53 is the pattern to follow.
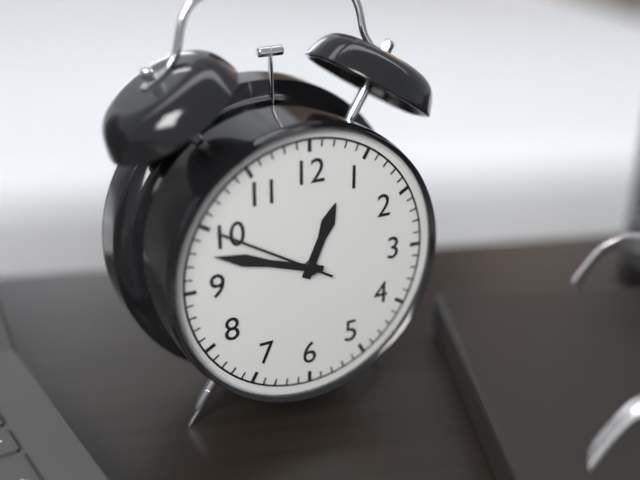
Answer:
12,48,50
